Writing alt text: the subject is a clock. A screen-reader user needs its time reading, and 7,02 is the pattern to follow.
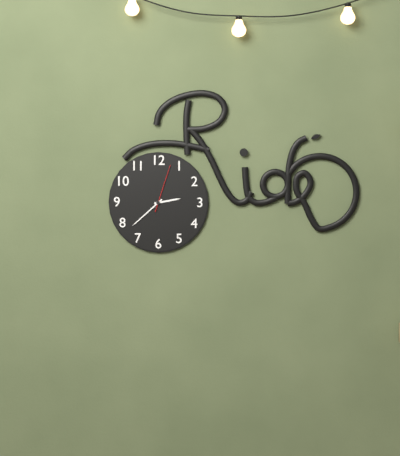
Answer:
2,38
